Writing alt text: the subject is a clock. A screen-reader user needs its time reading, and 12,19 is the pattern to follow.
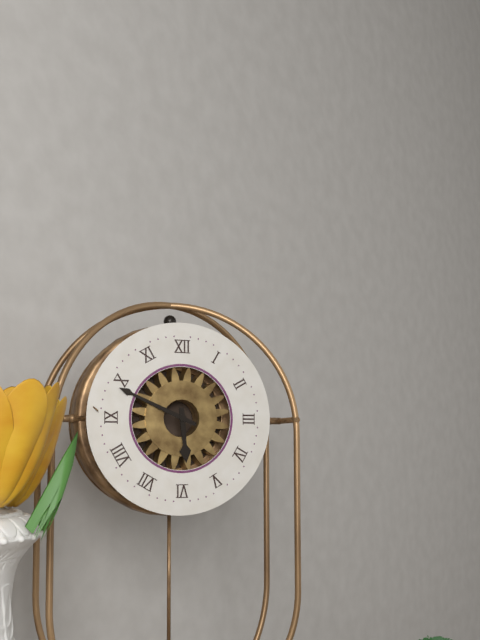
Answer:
5,49
